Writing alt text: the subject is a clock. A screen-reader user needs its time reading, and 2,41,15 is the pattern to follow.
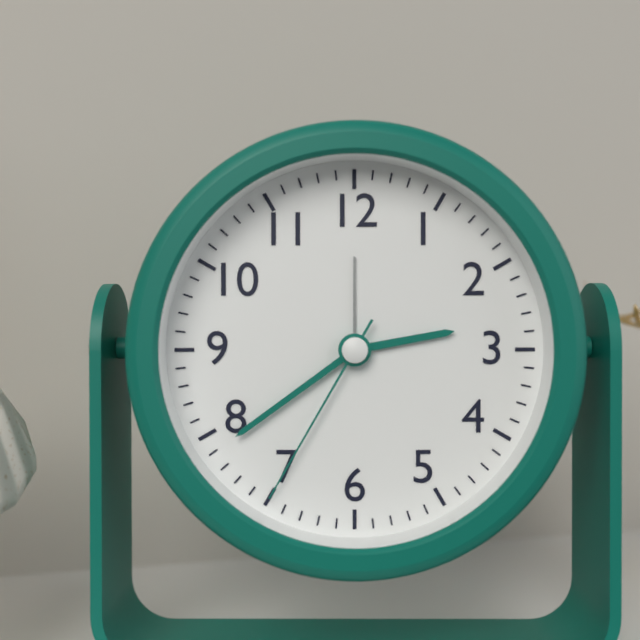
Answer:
2,39,35
